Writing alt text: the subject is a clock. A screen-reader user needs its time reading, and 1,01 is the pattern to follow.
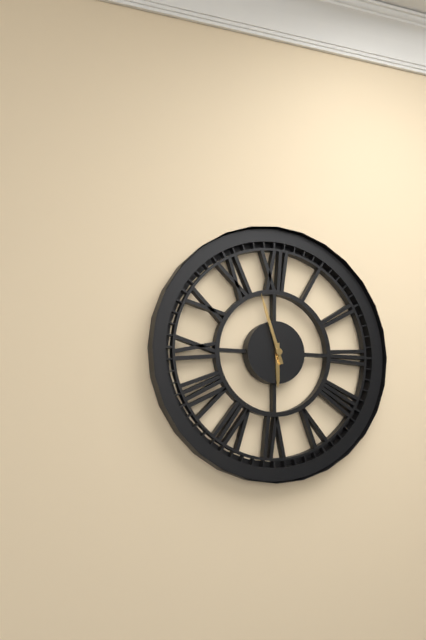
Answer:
5,57
